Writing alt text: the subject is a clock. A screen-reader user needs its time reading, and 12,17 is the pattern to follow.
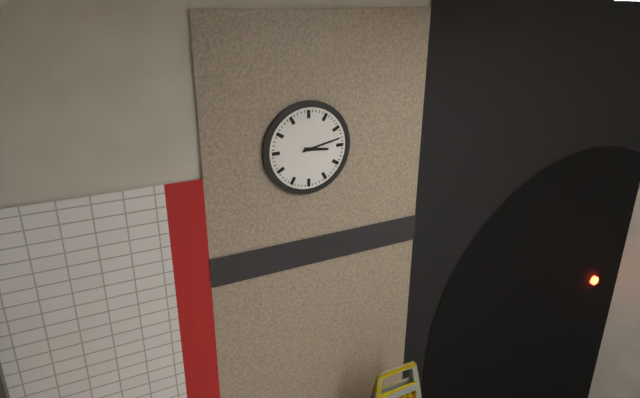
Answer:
3,13
